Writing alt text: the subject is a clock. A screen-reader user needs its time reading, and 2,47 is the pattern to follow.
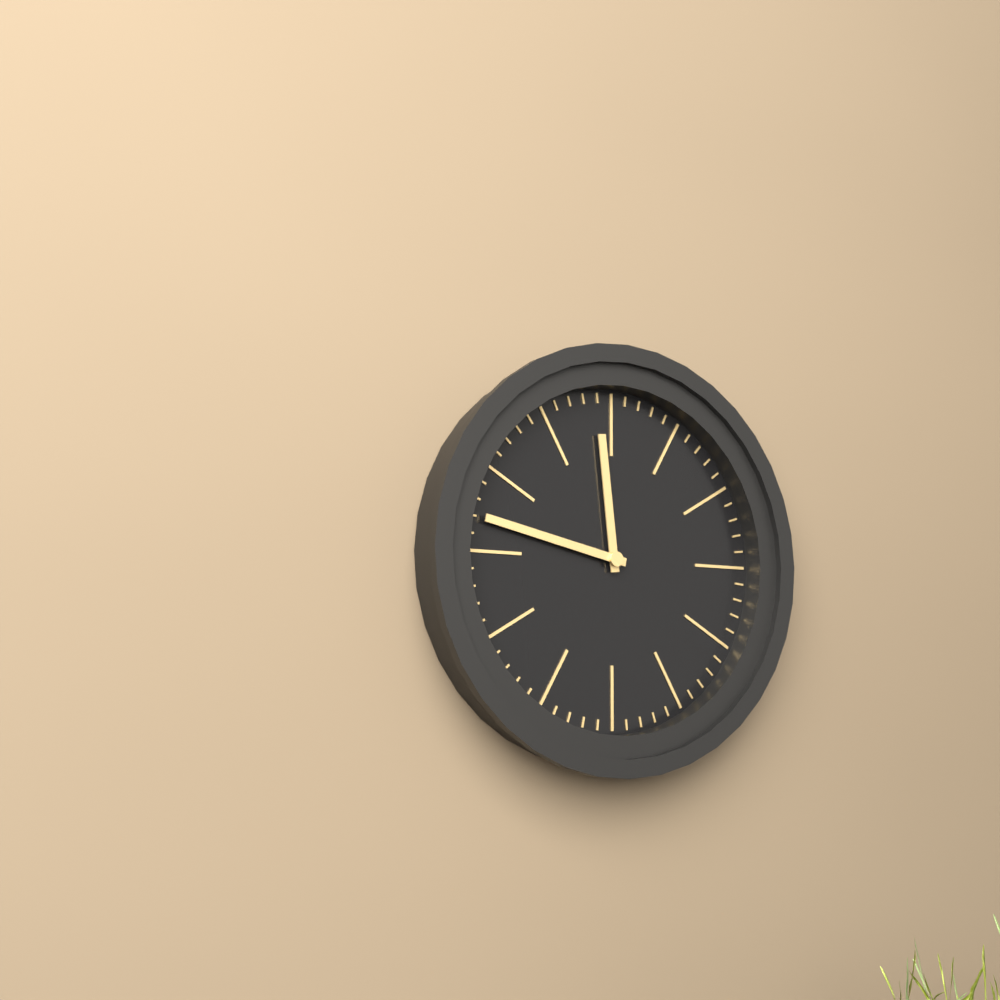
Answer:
11,47
